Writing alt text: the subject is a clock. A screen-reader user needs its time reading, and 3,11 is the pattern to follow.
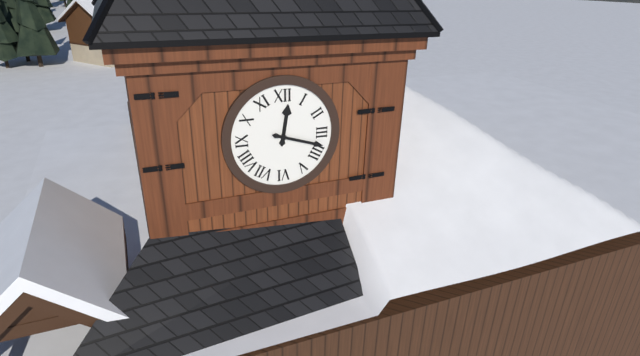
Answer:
12,18
